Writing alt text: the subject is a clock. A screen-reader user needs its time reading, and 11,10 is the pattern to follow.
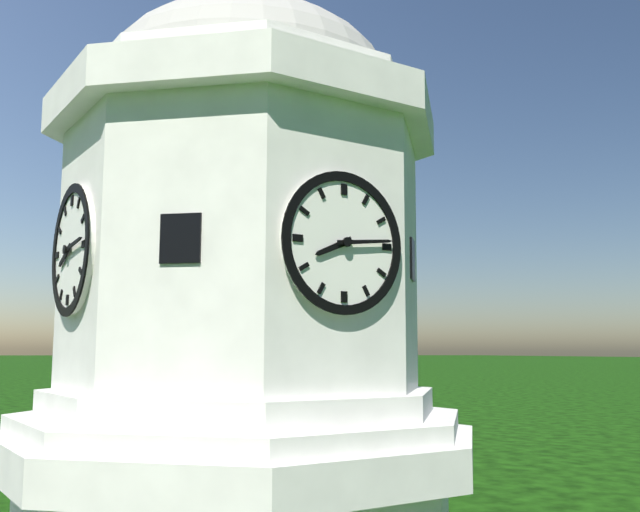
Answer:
8,14
